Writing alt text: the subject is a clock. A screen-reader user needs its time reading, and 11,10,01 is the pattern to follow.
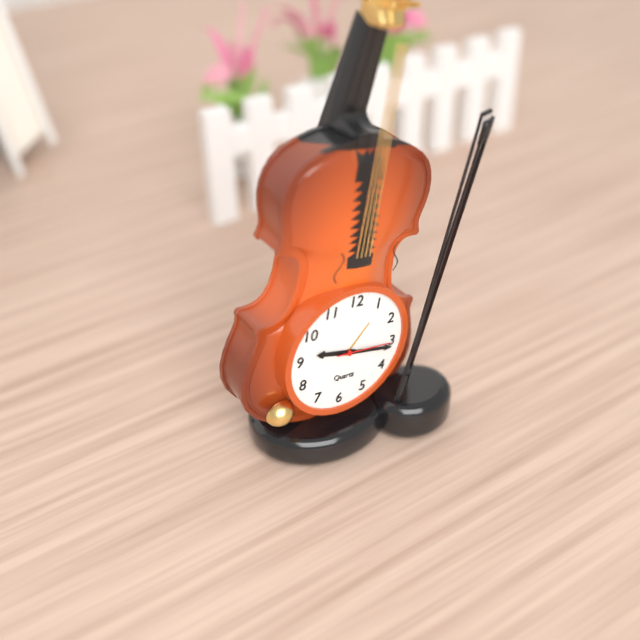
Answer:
9,16,15
